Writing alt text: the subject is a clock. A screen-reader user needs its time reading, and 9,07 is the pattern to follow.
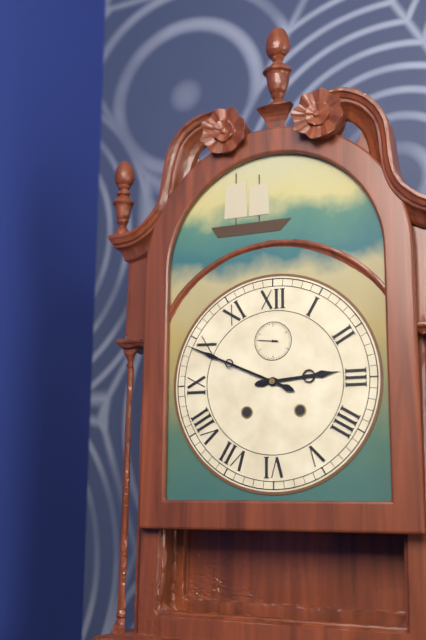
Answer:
2,49
